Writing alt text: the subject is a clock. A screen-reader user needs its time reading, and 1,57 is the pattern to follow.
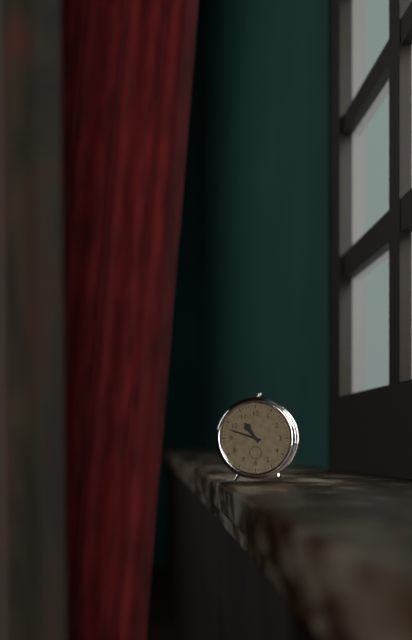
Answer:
10,48
